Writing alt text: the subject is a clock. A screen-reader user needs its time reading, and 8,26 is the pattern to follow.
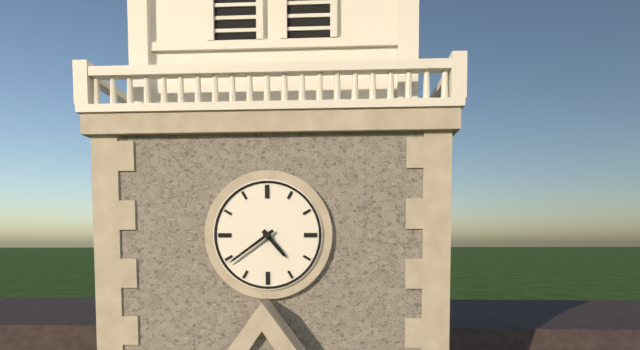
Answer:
4,39
